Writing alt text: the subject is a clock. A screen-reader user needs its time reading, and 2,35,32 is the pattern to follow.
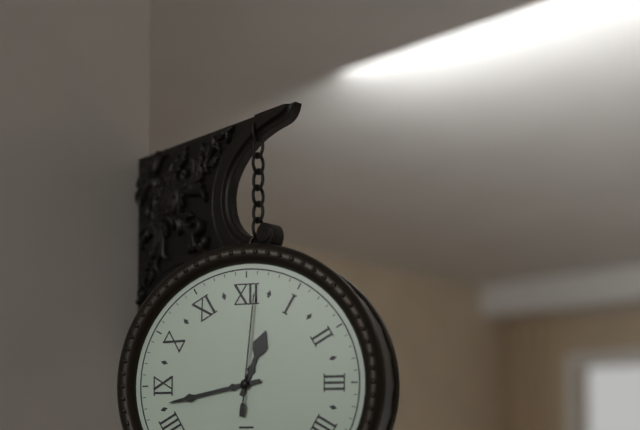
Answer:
12,43,01
